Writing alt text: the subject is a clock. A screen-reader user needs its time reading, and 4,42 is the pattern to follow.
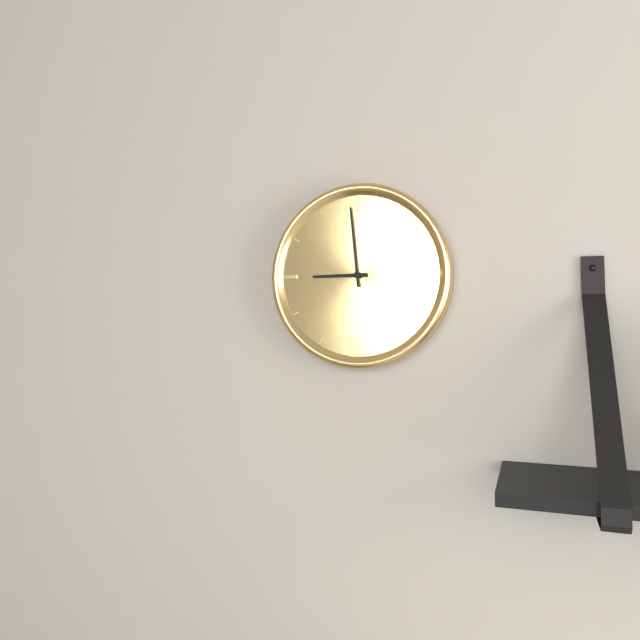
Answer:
8,59
